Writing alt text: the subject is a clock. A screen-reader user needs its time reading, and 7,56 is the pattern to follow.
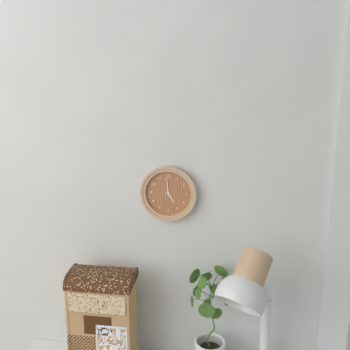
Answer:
4,59
